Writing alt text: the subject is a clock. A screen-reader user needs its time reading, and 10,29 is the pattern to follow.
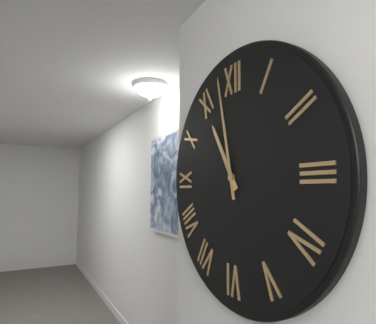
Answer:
10,58
